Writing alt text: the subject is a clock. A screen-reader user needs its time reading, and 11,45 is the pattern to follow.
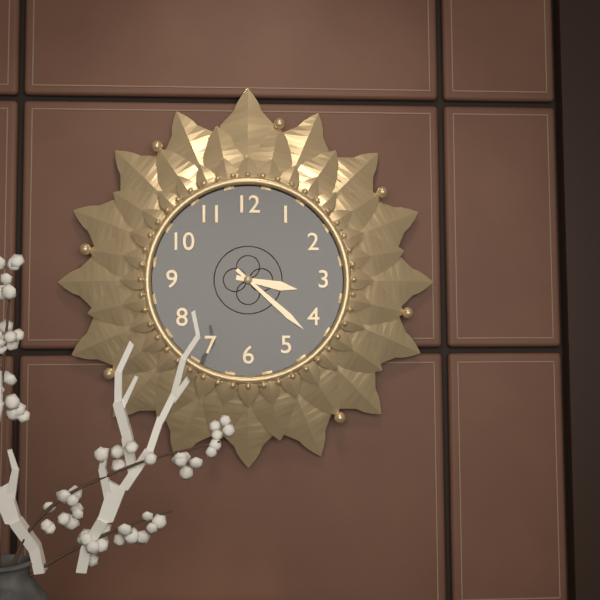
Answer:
3,22
